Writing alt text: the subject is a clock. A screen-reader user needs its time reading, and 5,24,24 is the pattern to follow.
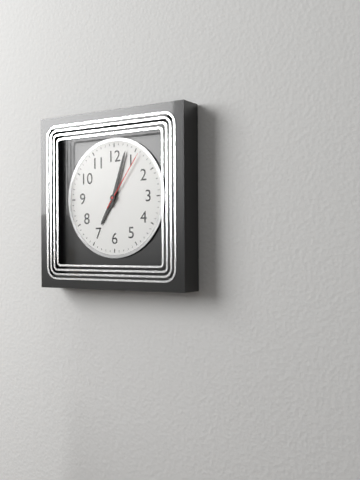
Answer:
7,03,06
